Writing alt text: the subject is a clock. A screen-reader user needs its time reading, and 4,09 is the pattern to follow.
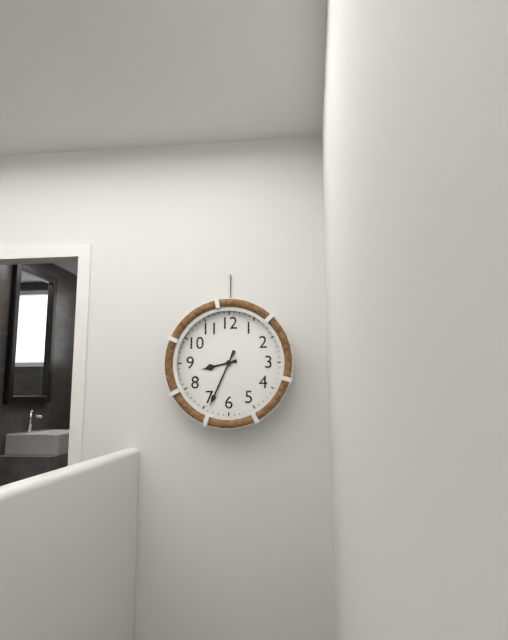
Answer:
8,34
